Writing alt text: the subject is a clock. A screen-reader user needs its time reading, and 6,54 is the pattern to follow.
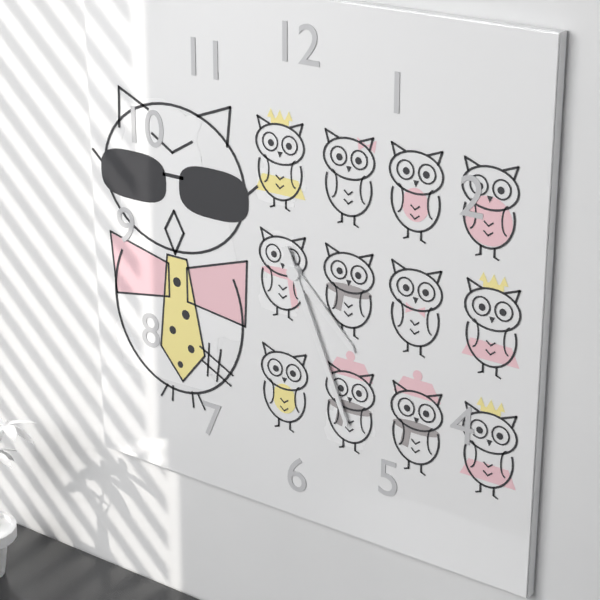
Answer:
4,26
